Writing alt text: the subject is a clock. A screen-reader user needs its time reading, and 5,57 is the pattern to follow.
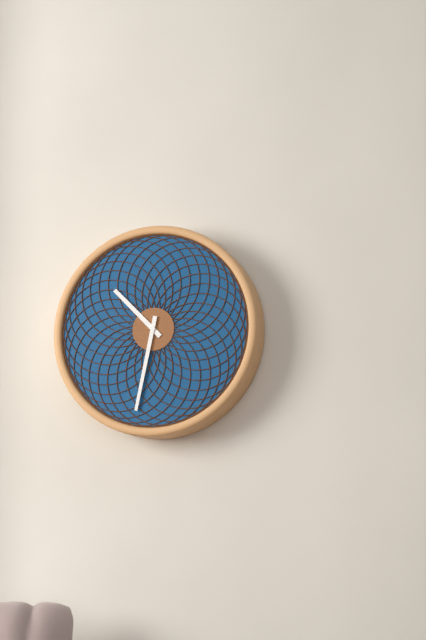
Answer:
10,32
